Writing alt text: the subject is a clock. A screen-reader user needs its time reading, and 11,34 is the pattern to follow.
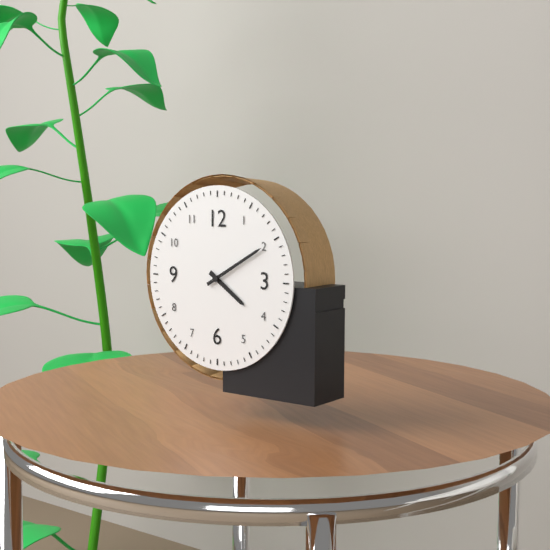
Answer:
4,10
